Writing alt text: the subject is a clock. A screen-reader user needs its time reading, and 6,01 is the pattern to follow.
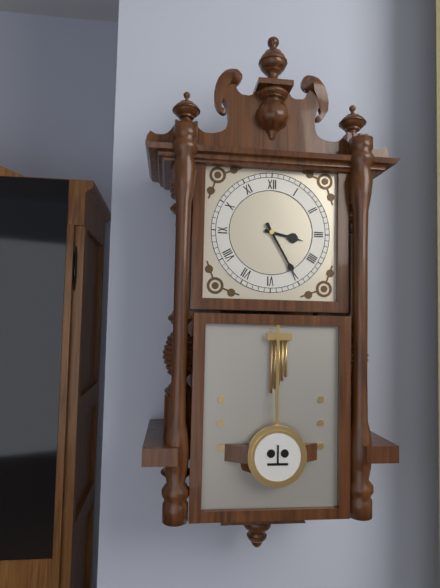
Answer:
3,25
